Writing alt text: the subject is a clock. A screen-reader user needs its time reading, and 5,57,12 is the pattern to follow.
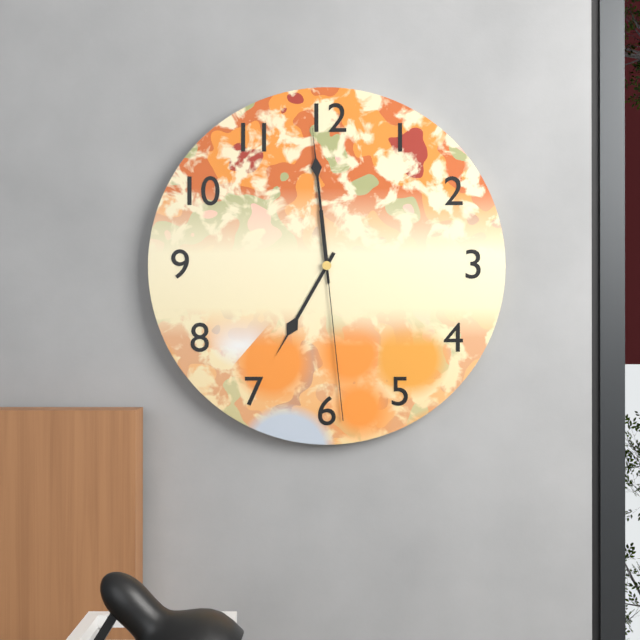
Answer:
6,59,29
